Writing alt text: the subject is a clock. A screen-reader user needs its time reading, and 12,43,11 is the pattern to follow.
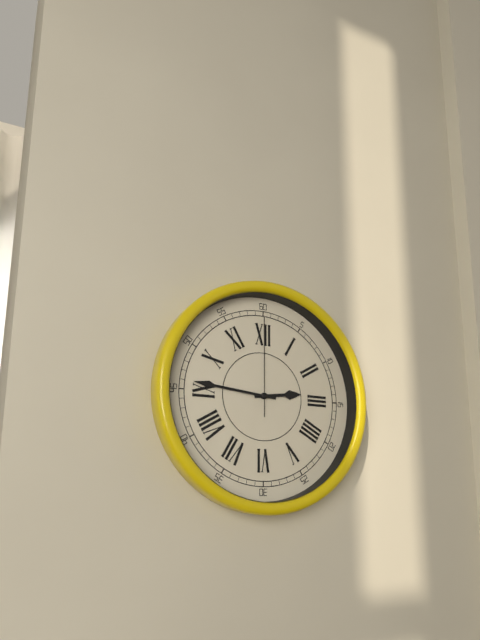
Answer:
2,46,00
